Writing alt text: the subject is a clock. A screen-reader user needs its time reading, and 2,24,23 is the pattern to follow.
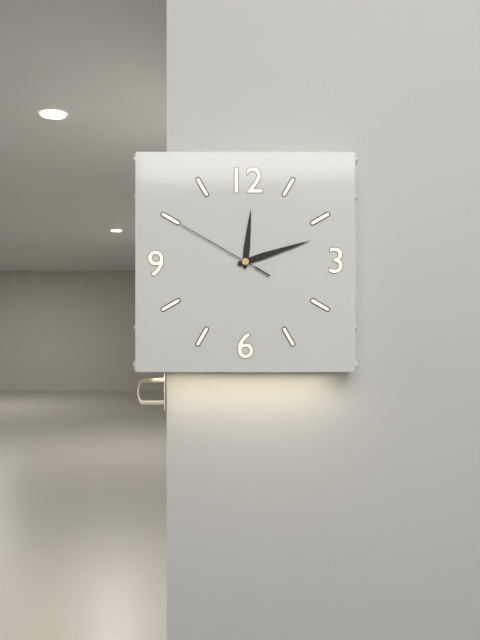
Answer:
12,12,50
